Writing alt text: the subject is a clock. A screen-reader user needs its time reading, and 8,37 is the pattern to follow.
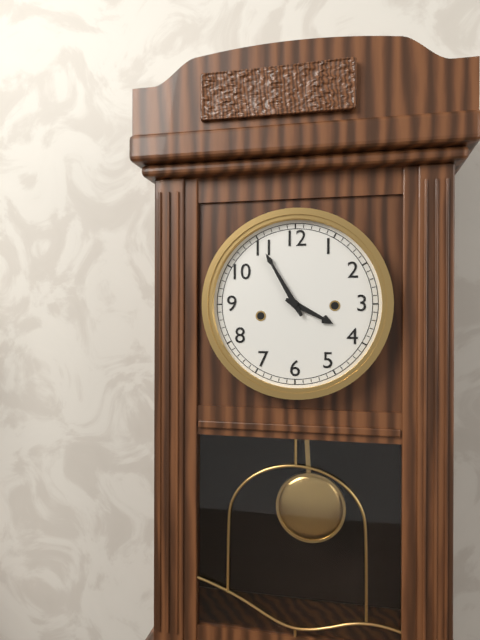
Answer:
3,55
